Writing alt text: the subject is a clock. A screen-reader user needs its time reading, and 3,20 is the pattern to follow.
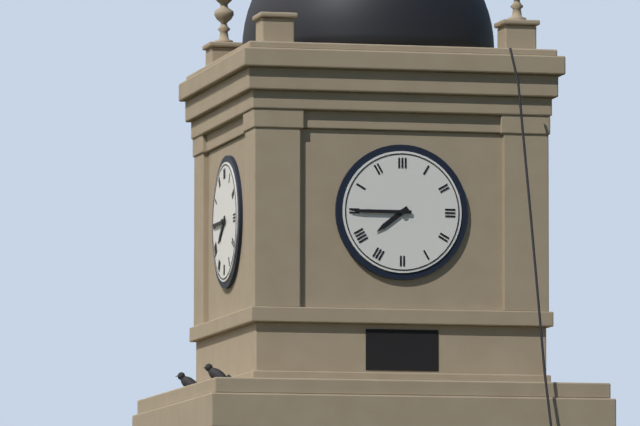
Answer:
7,45
